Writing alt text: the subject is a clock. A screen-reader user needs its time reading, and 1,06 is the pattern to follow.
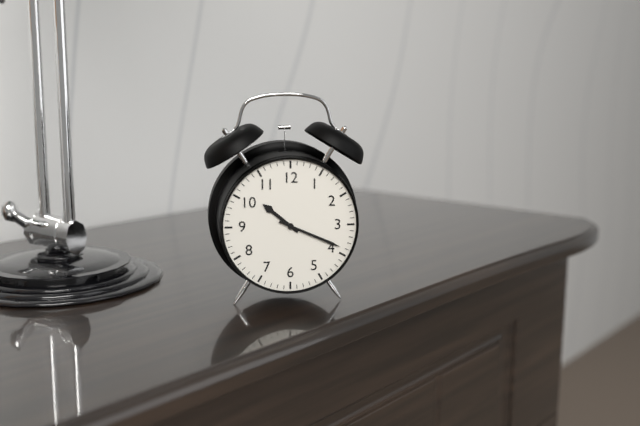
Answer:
10,19
